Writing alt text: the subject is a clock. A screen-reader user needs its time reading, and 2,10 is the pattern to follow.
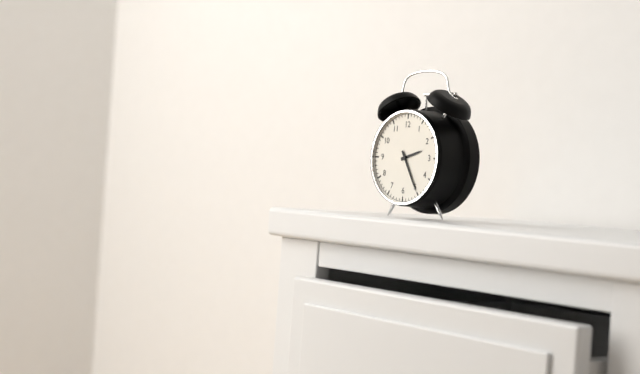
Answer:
2,25
